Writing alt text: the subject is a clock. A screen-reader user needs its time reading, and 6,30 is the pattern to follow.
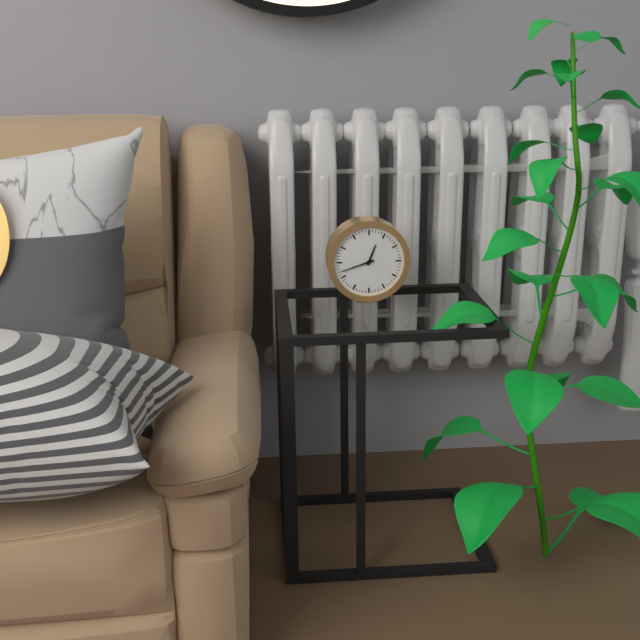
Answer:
12,42
